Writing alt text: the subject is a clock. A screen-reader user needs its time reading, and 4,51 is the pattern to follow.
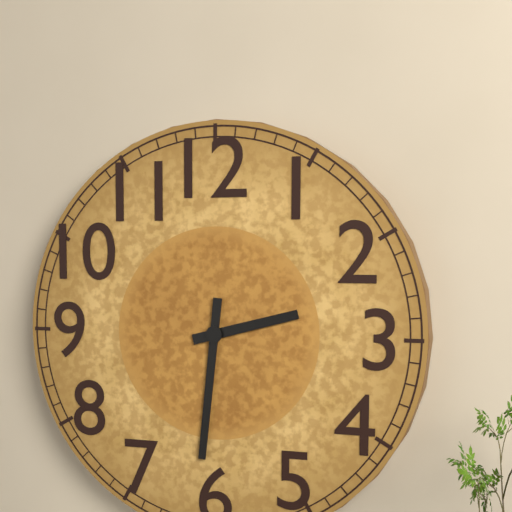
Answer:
2,31
